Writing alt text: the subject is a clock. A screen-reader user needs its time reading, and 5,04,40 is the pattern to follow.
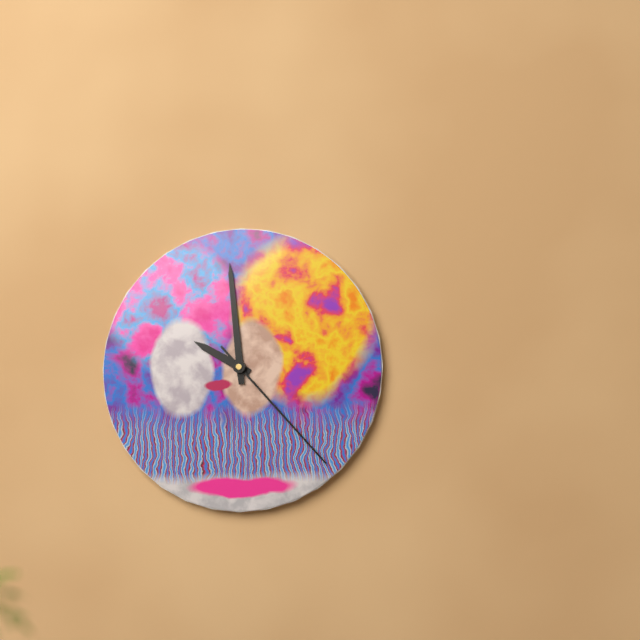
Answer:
9,59,23
